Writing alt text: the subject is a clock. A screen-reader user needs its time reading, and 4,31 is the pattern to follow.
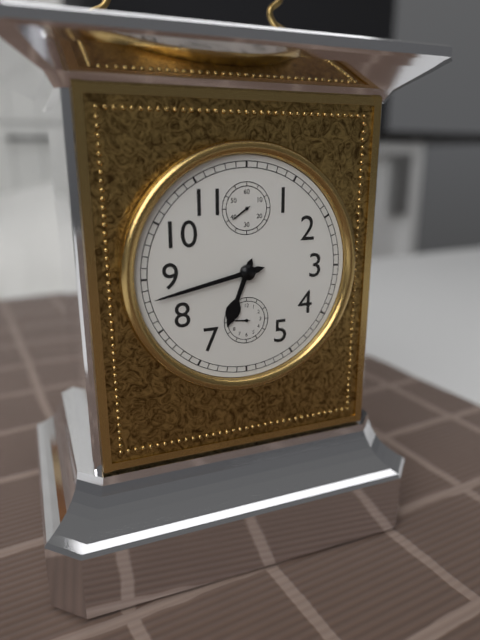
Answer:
6,43
